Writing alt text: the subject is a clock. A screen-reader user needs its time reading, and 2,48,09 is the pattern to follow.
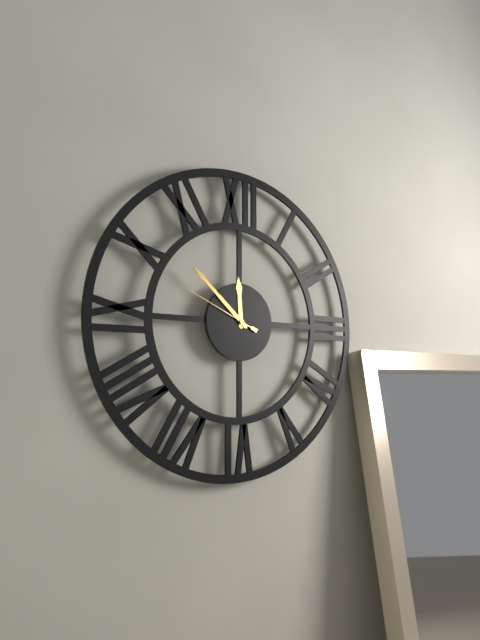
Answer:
11,52,49
